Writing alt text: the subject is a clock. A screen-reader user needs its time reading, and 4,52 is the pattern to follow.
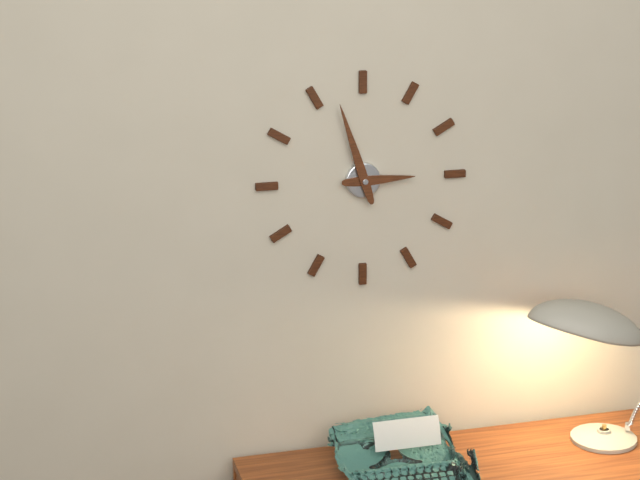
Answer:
2,57
